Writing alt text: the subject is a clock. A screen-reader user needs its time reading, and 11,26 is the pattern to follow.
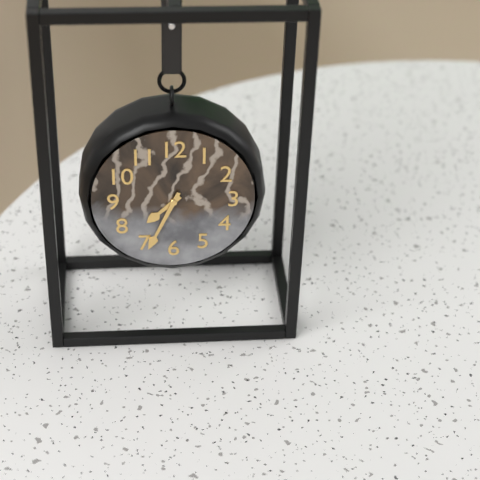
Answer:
7,34
